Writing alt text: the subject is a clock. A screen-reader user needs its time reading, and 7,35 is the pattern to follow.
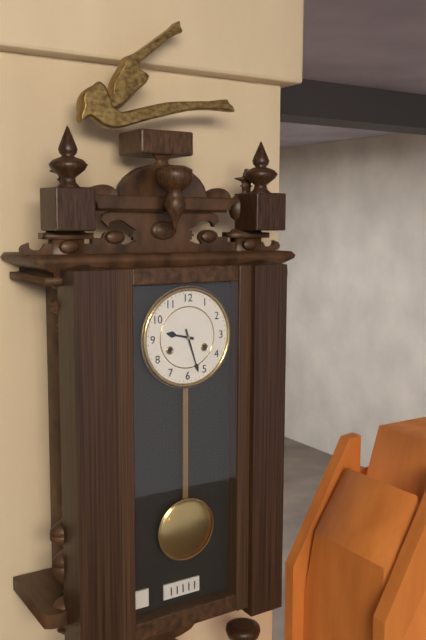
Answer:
9,27
